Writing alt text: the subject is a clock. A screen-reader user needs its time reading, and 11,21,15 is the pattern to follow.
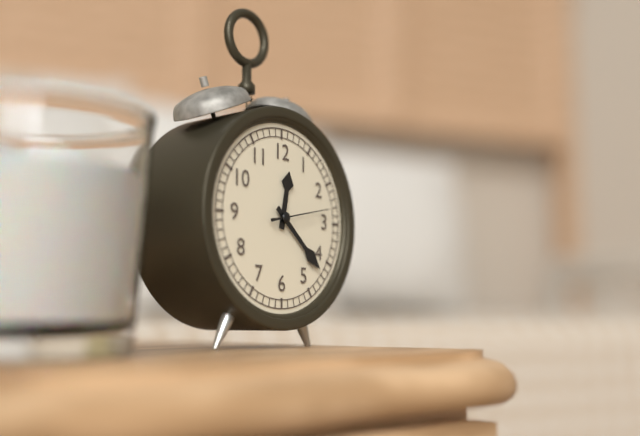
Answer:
12,22,13
